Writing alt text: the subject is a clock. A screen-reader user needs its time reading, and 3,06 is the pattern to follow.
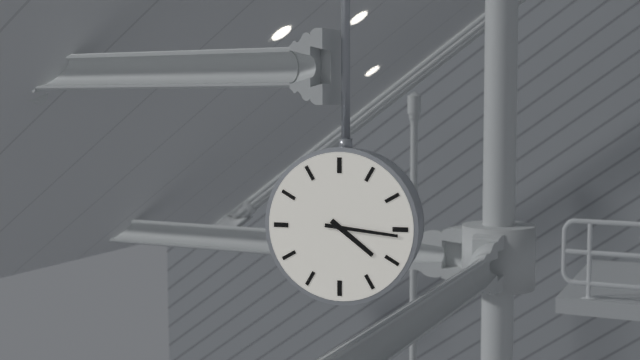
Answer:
4,16
